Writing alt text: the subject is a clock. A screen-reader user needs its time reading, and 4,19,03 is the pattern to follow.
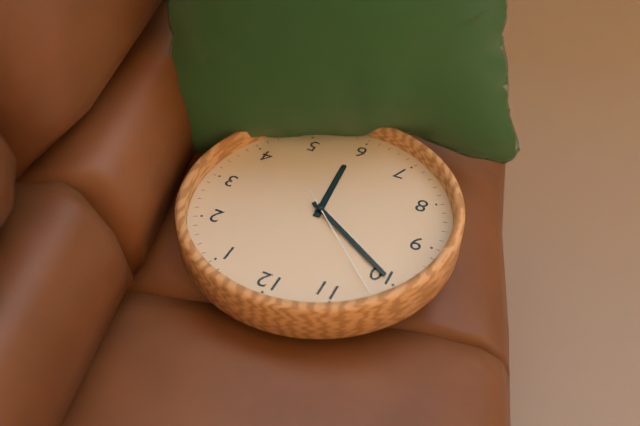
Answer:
5,50,52
